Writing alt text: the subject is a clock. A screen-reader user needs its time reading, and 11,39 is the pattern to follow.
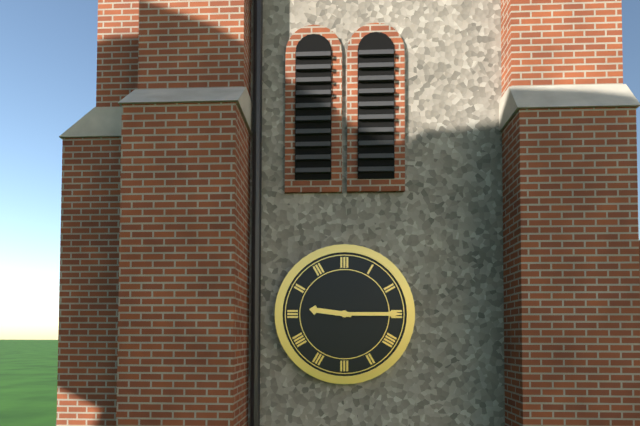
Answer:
9,15
